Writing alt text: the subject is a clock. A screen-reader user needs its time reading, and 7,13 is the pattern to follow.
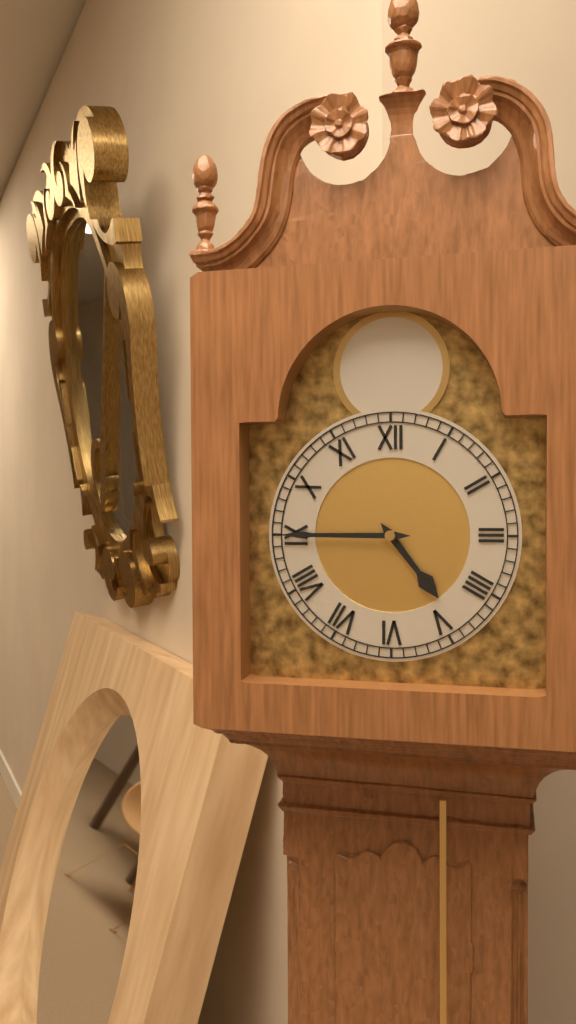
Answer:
4,45
